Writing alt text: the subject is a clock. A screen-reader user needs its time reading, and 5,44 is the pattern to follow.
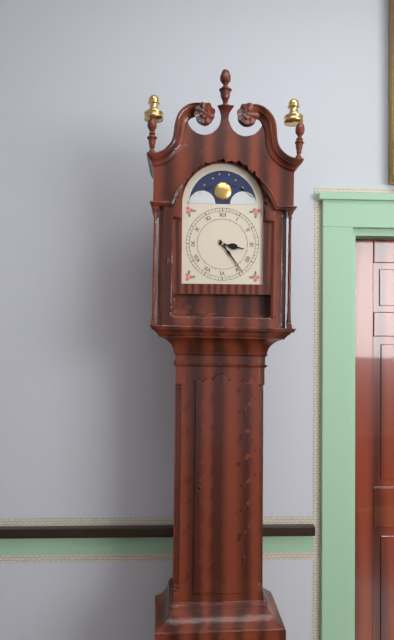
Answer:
3,24
